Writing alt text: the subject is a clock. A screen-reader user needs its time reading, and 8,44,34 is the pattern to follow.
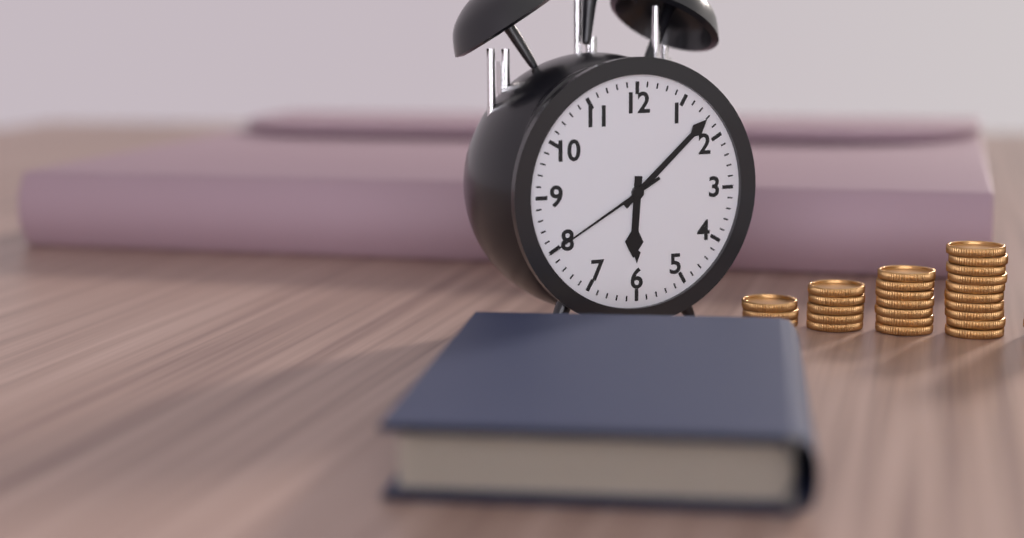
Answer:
6,08,40
